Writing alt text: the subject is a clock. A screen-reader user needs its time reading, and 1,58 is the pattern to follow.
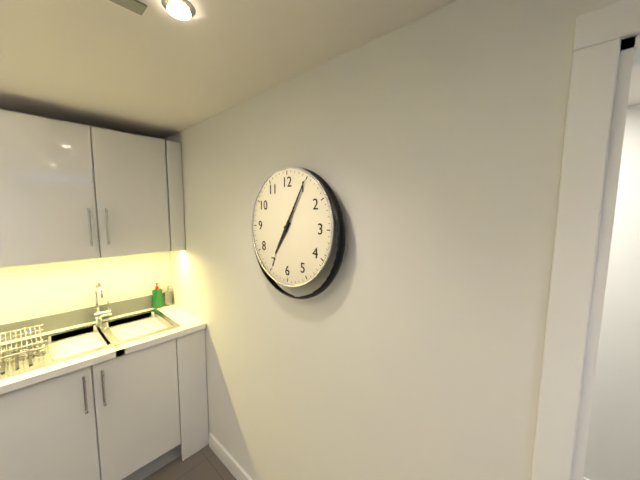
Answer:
7,05
